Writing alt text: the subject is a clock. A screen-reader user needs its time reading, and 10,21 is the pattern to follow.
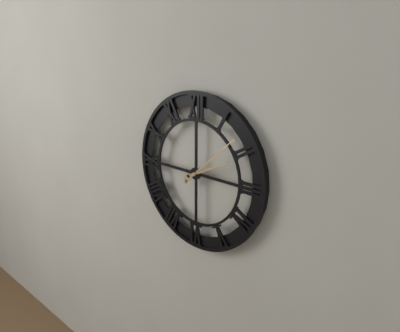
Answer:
2,08
